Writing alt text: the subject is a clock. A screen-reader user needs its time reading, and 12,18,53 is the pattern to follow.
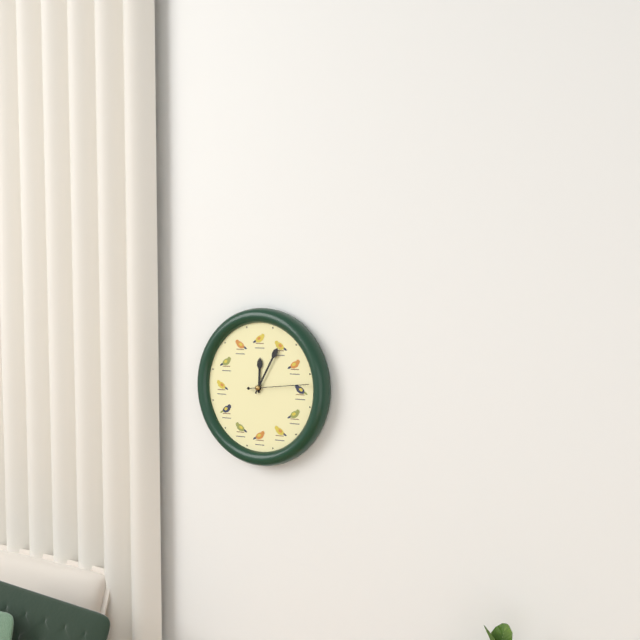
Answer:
12,05,14
